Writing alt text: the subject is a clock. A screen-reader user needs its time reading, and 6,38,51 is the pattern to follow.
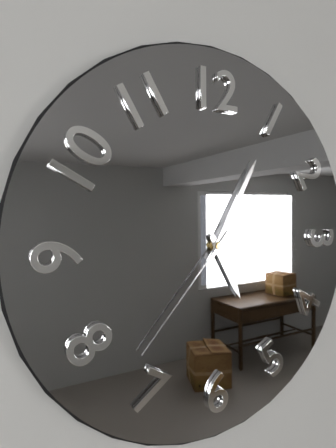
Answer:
5,05,37
